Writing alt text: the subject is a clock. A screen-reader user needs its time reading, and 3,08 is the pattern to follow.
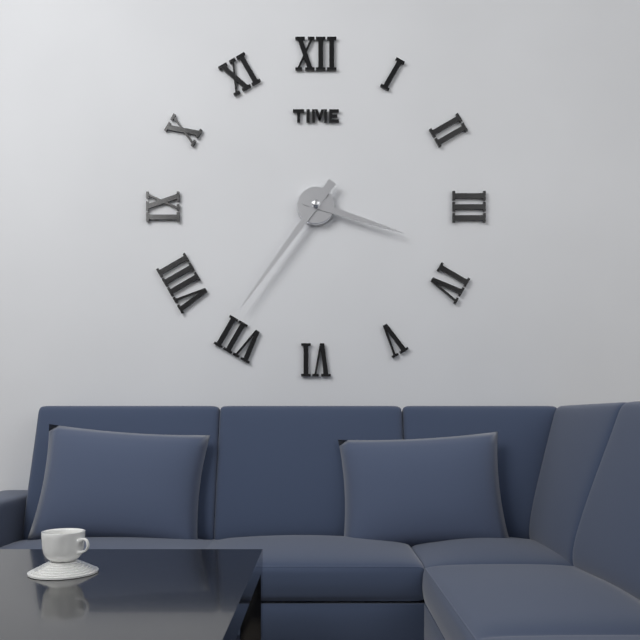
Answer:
3,36
